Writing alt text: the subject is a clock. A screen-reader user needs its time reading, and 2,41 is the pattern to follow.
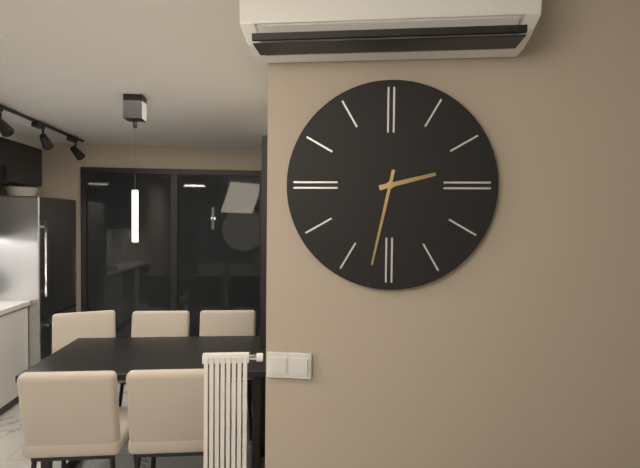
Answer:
2,32
